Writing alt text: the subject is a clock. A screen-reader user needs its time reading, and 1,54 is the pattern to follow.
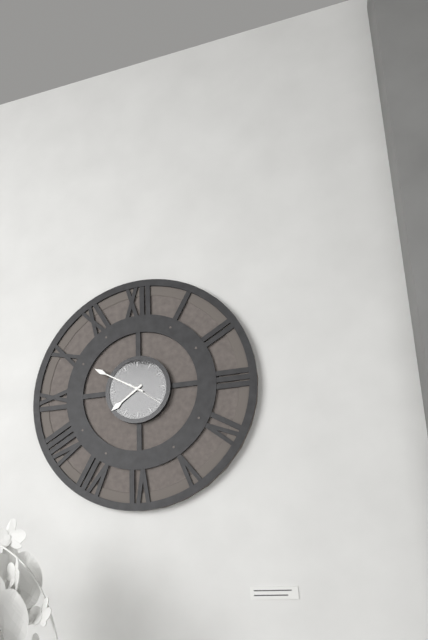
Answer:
7,50
